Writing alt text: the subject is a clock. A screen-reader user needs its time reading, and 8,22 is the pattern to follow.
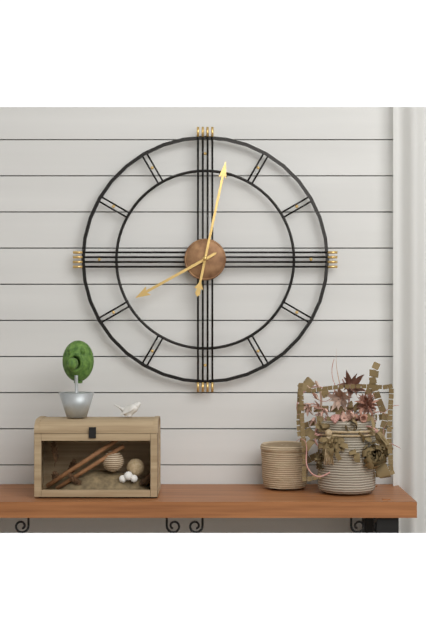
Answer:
8,02
